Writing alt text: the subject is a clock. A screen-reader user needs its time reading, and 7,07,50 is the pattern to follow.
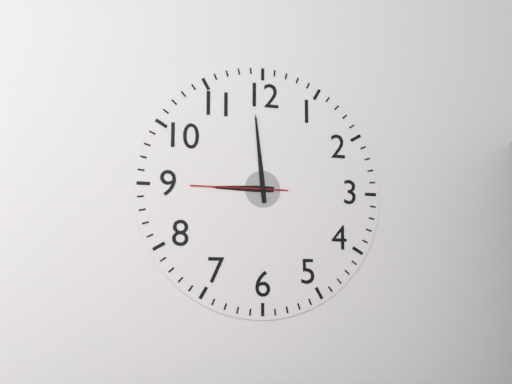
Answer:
8,59,45
